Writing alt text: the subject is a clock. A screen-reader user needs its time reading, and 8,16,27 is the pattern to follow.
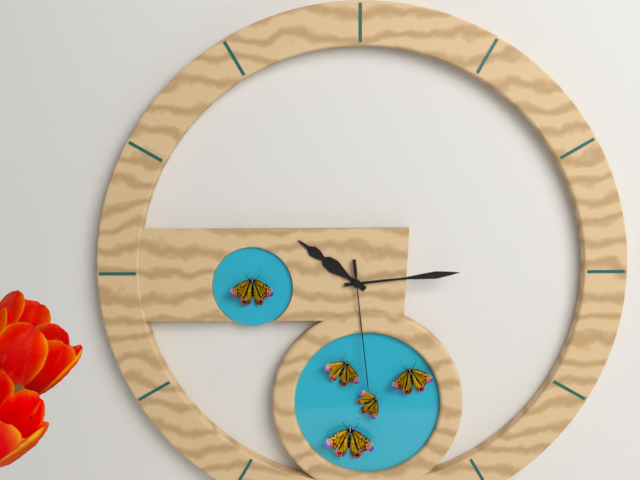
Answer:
10,14,29
